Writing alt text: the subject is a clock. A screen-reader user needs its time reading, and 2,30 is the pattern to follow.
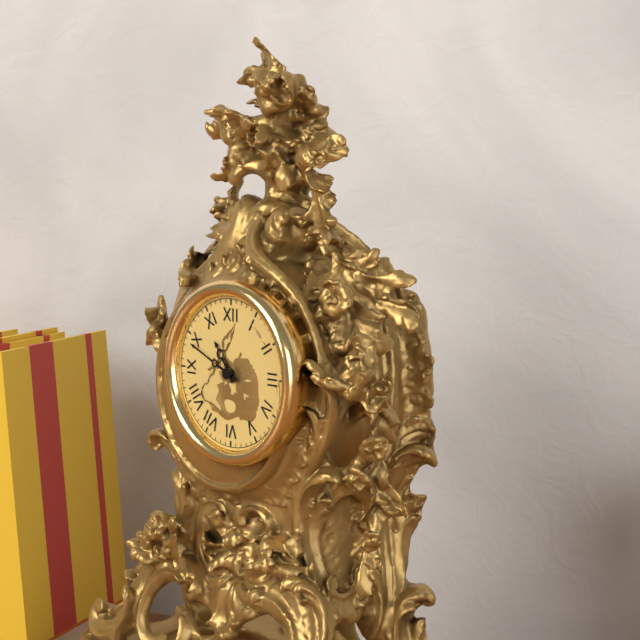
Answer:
10,49
